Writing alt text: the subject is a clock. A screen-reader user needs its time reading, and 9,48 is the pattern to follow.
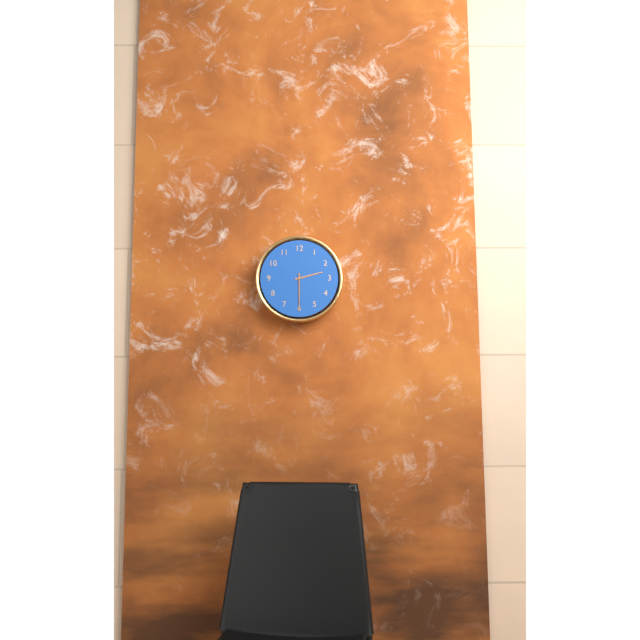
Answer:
2,30
